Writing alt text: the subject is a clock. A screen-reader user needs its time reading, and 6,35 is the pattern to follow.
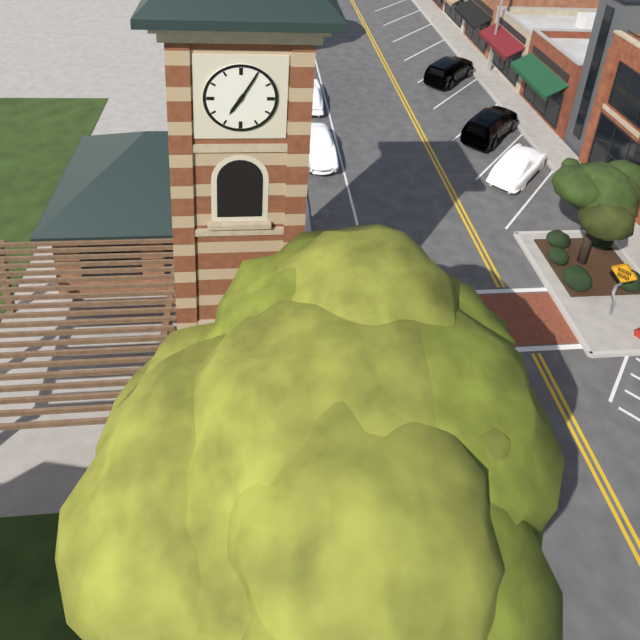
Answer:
7,05
